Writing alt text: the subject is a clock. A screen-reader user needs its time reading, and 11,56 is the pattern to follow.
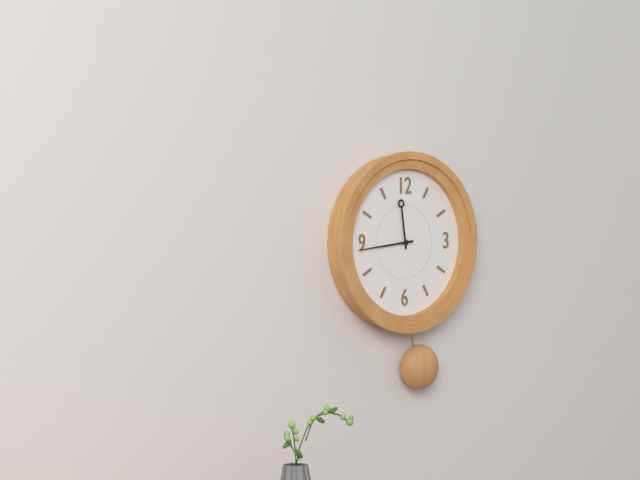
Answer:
11,44
